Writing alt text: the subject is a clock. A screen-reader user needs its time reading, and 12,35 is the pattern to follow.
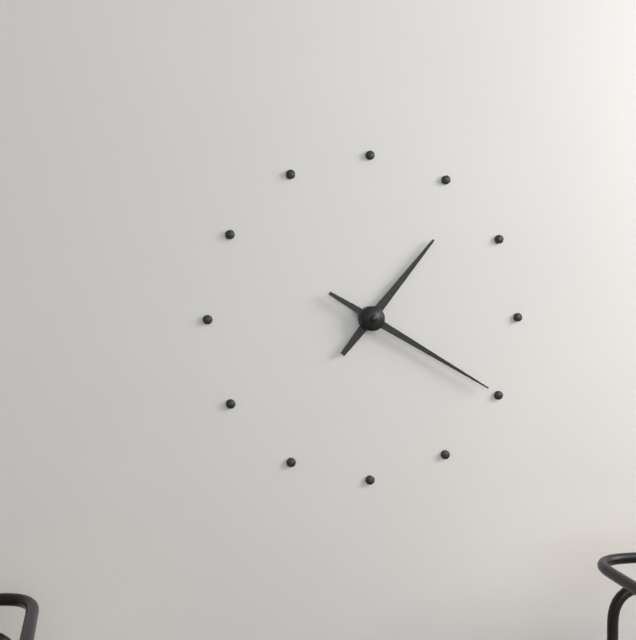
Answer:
1,20
